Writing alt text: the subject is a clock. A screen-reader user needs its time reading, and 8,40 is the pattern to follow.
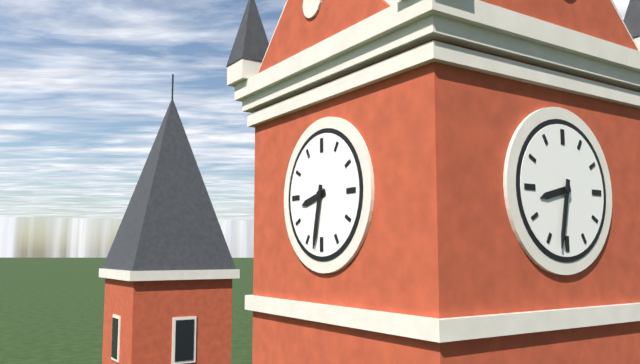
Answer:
8,32
